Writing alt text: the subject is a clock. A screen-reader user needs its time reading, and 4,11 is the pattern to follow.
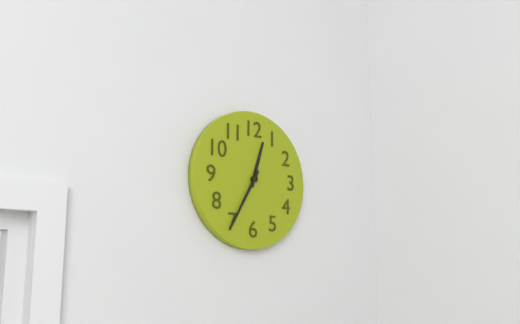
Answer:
12,35
